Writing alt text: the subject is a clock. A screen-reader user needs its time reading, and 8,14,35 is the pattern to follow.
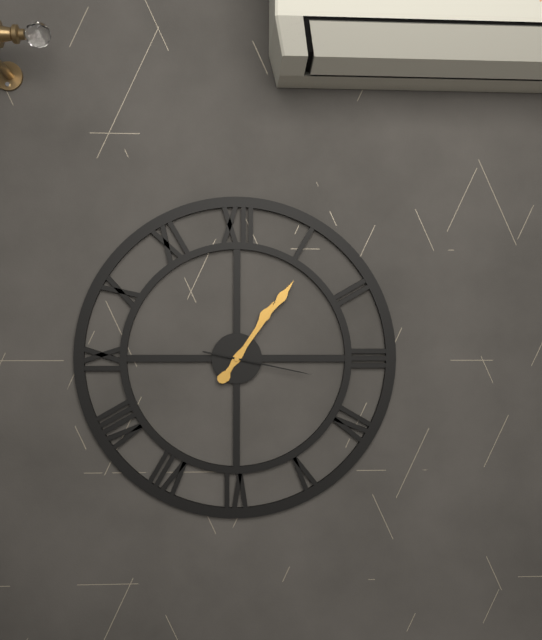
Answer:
1,06,17
